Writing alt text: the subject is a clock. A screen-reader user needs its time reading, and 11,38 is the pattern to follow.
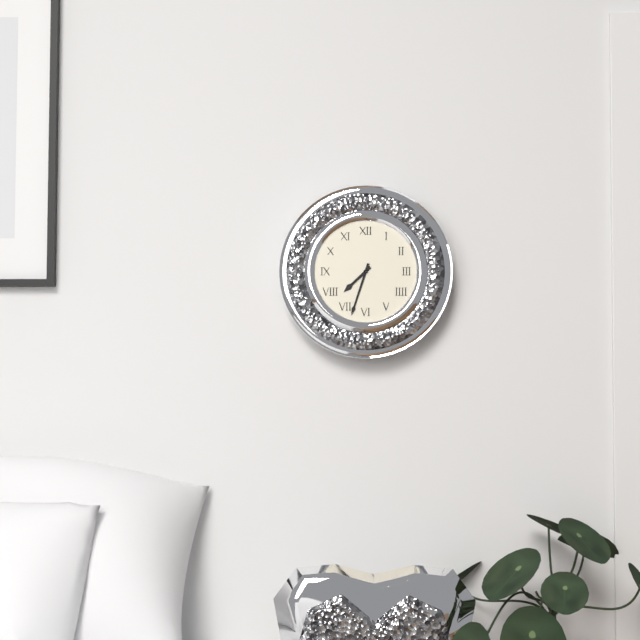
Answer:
7,33
